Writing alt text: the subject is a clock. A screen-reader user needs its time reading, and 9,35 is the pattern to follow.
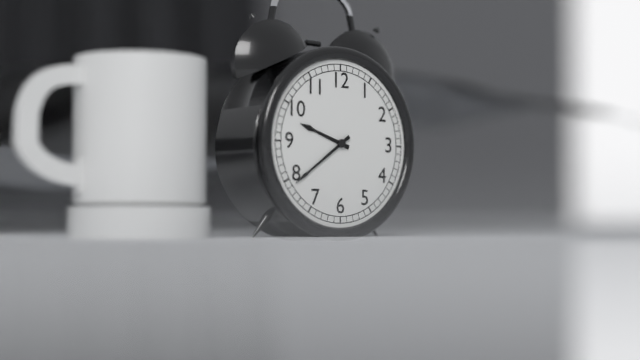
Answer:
9,39
